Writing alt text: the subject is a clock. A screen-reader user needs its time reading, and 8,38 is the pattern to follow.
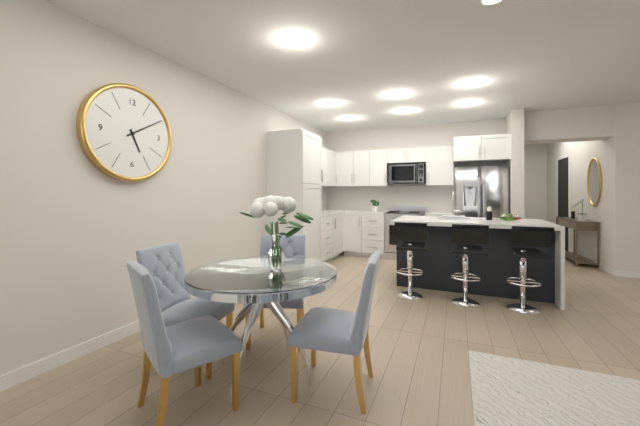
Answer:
5,10
